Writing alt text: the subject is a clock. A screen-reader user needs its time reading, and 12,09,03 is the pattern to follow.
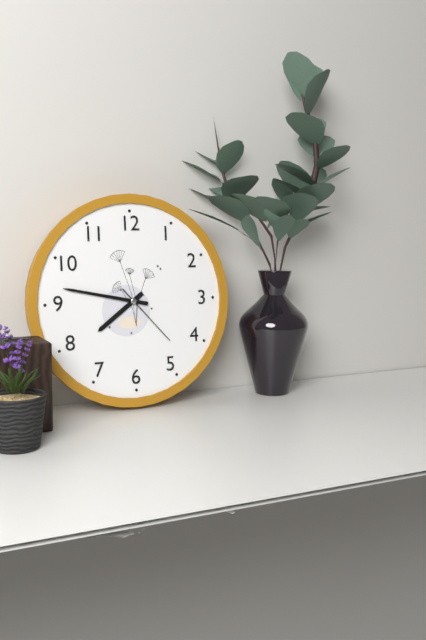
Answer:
7,47,23
